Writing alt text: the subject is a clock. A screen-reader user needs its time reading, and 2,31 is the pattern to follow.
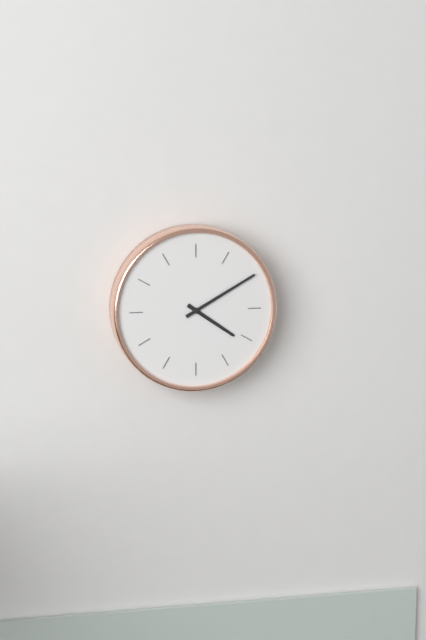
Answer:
4,10
